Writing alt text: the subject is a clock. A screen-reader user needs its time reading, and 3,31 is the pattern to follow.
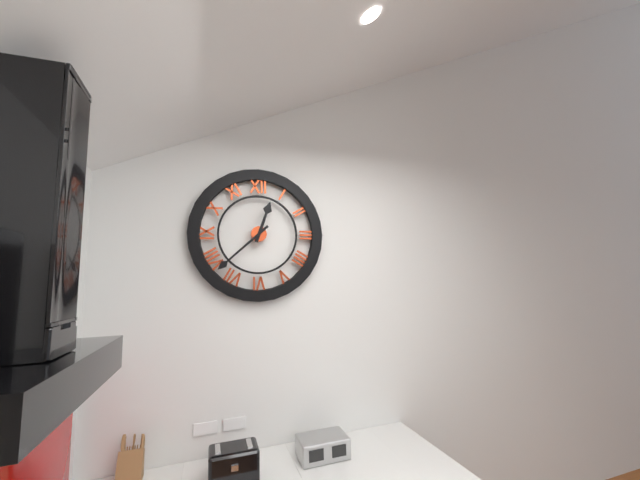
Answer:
12,38
